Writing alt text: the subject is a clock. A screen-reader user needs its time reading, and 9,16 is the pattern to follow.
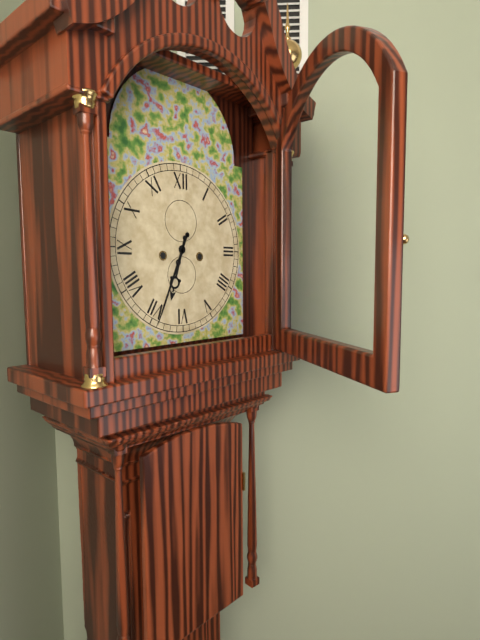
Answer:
6,34
